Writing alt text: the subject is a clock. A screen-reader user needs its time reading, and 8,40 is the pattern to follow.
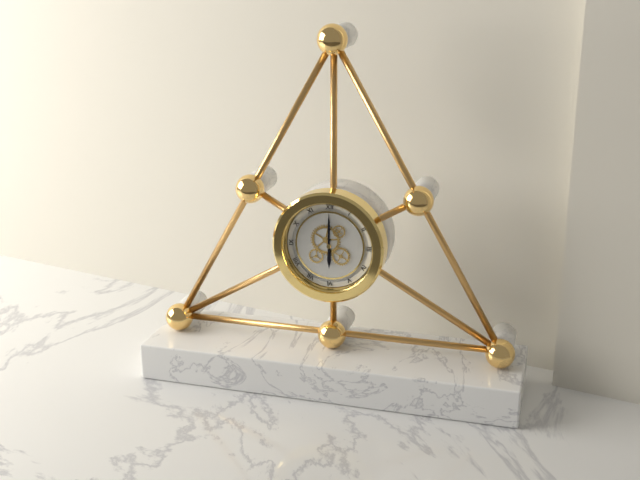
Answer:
6,00
